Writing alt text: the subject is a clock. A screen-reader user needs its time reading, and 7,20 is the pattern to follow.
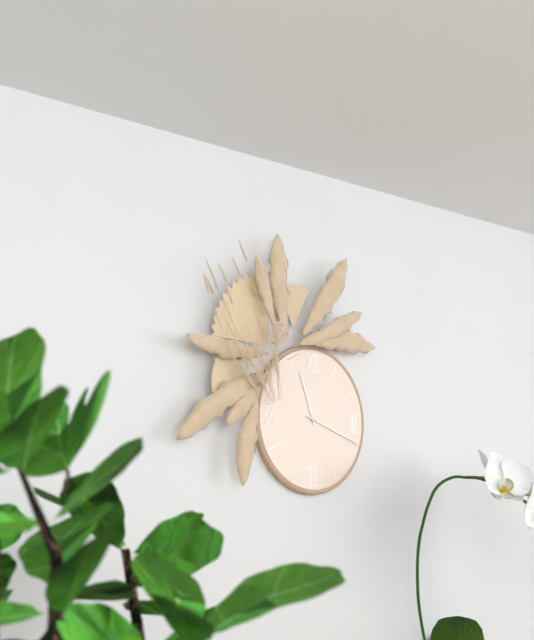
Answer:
11,18
